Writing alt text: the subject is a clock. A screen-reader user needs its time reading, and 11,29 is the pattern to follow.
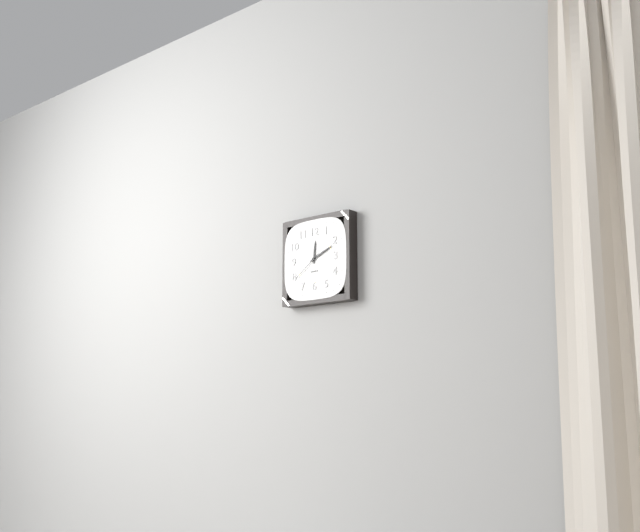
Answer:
12,11
